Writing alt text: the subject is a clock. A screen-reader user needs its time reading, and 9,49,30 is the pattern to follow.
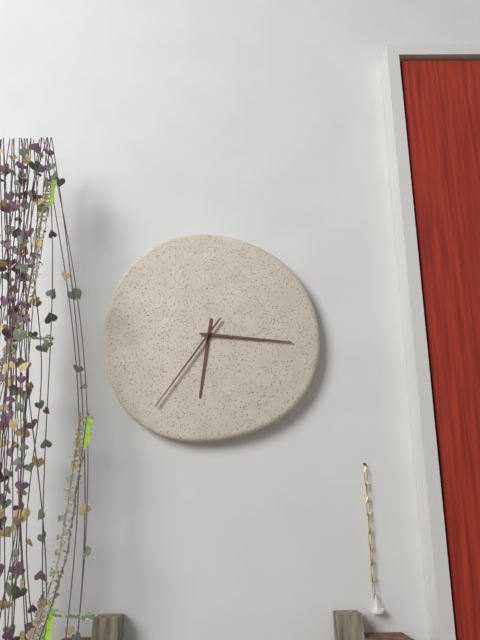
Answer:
6,16,36
